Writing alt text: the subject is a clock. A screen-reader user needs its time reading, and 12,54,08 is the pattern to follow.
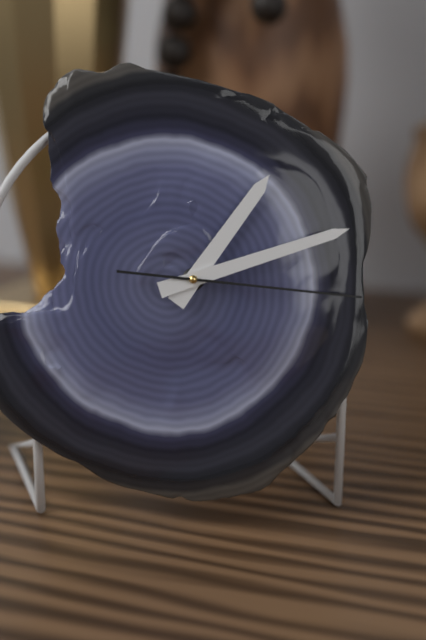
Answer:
1,12,16
